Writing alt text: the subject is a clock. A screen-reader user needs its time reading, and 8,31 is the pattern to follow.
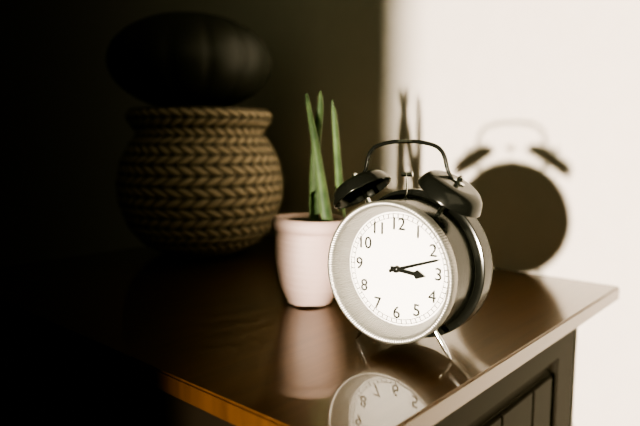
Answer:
3,12
